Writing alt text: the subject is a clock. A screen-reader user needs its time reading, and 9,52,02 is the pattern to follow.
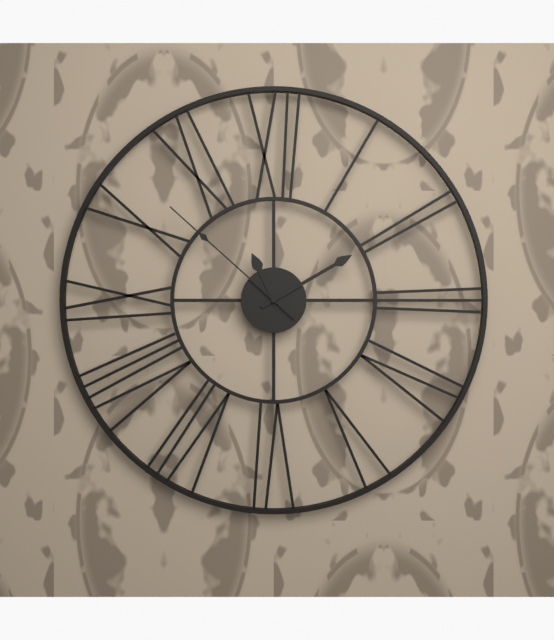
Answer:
11,10,52
